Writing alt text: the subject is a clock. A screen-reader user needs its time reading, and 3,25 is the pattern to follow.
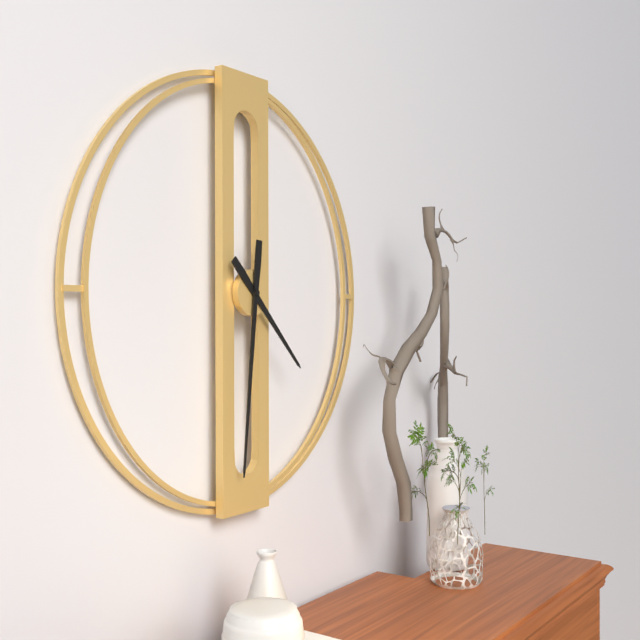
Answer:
4,31
